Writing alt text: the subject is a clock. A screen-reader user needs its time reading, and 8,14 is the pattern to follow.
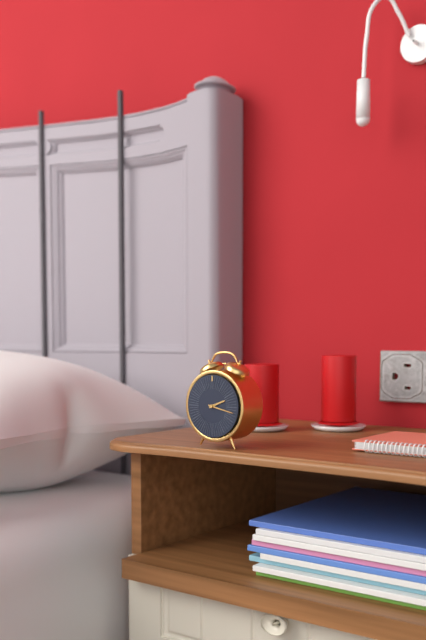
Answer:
2,17
